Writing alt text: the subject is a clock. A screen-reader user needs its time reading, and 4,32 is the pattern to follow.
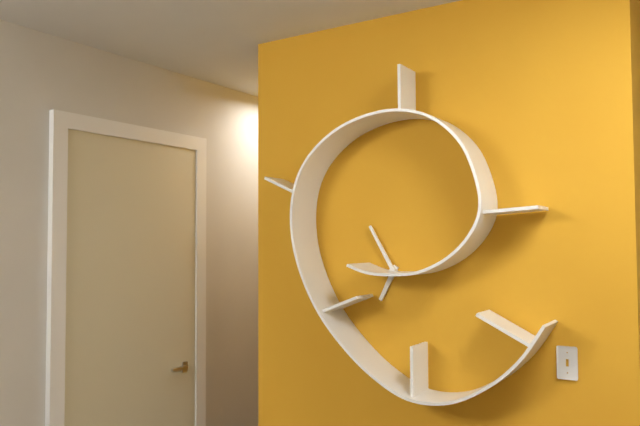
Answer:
6,55
